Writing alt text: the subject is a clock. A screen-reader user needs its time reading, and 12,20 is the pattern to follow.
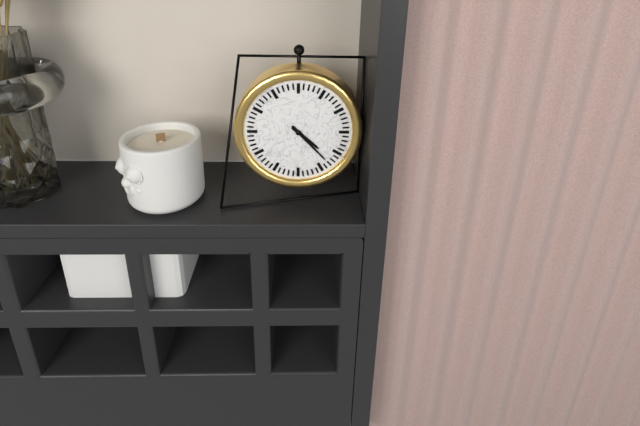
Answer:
4,23
